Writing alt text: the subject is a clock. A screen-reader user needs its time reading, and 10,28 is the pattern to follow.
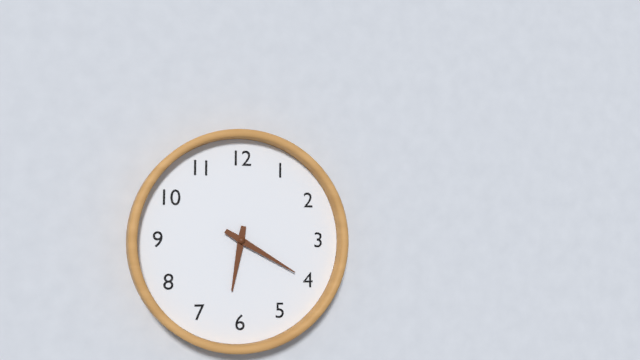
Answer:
6,20
